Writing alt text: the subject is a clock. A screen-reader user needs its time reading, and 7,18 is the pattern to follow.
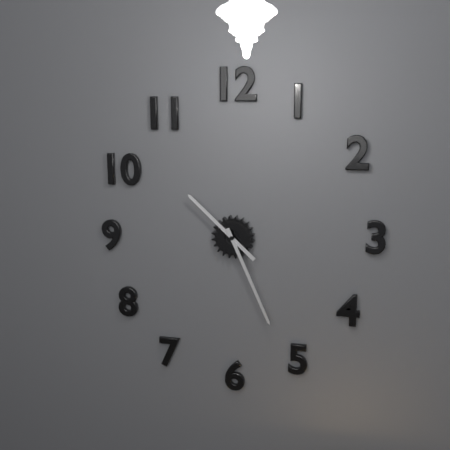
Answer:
10,26
